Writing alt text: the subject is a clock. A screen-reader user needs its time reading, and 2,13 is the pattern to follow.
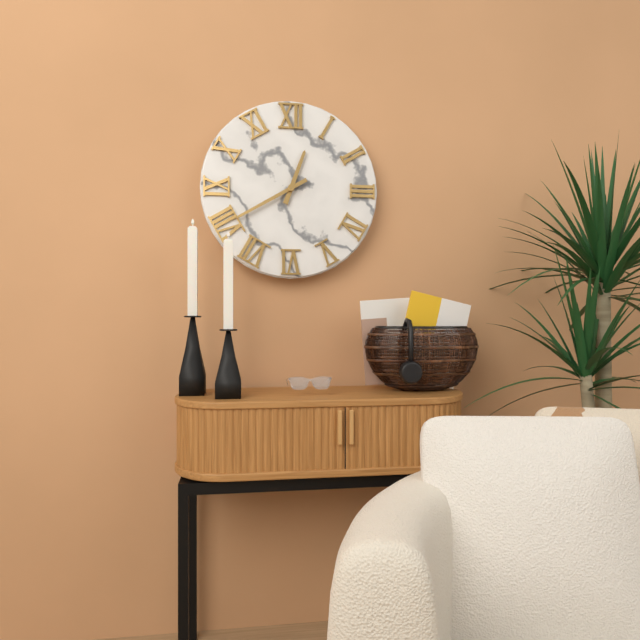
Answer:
12,40
